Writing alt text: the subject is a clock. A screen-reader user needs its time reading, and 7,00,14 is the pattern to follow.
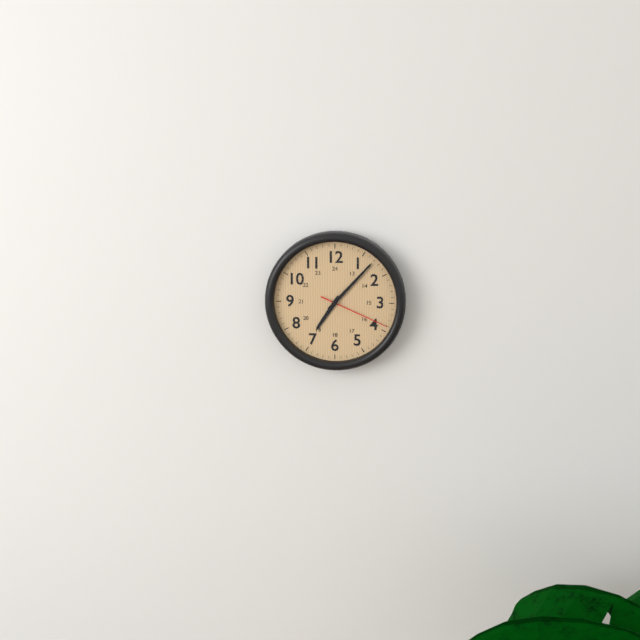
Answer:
7,07,19
